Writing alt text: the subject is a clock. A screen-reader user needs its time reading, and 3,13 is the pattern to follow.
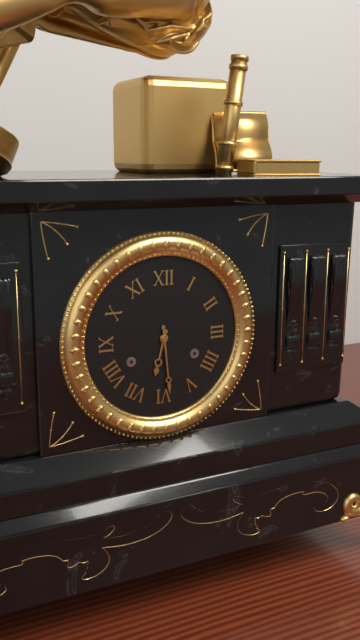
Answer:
6,29
